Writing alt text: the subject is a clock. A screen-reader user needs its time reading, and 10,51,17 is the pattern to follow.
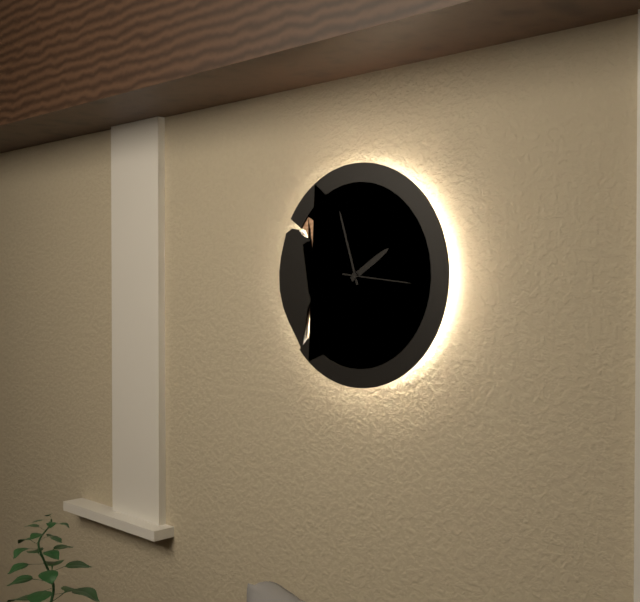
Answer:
1,57,16
